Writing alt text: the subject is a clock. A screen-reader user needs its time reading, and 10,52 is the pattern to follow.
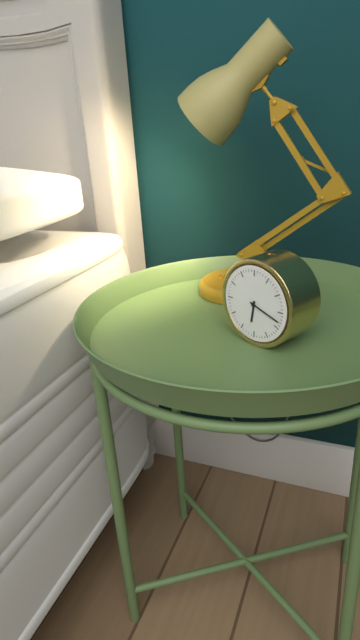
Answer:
6,18
